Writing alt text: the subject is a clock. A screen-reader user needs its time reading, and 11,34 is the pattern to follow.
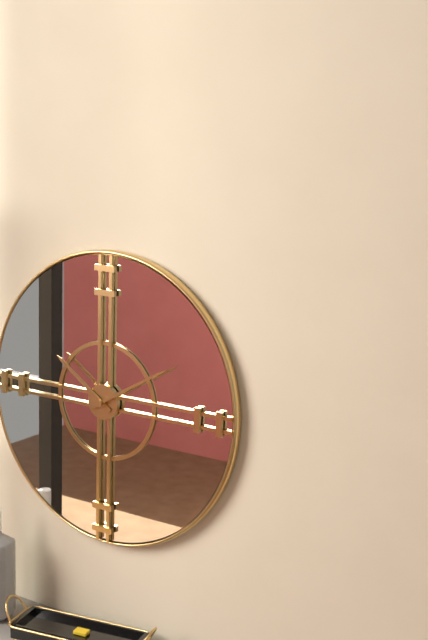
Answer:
10,10
